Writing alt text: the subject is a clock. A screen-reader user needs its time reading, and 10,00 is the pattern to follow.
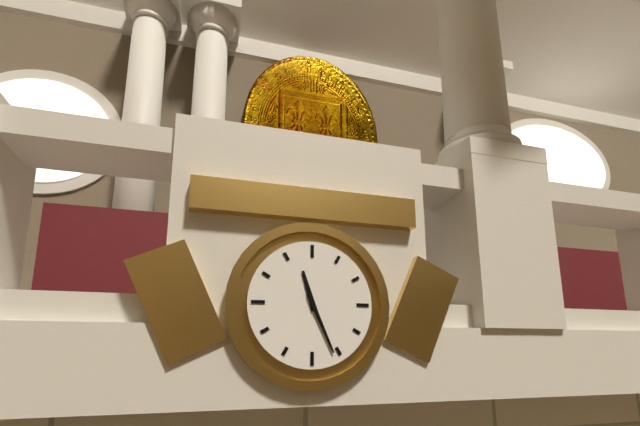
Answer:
11,26
